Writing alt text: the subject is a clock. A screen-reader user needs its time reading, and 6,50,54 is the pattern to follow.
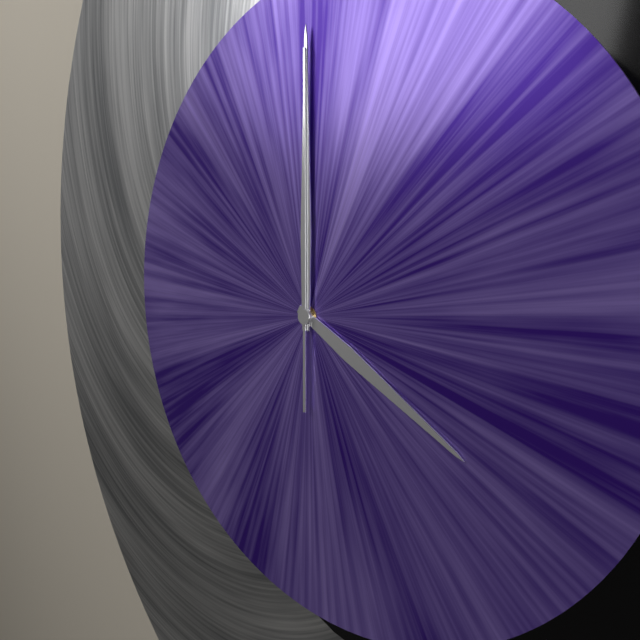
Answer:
4,00,00
